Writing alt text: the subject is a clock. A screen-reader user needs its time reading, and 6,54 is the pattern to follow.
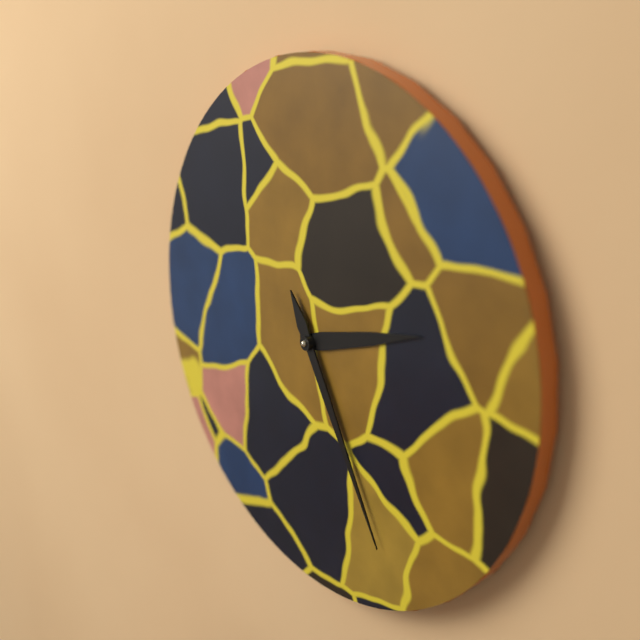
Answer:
2,25
